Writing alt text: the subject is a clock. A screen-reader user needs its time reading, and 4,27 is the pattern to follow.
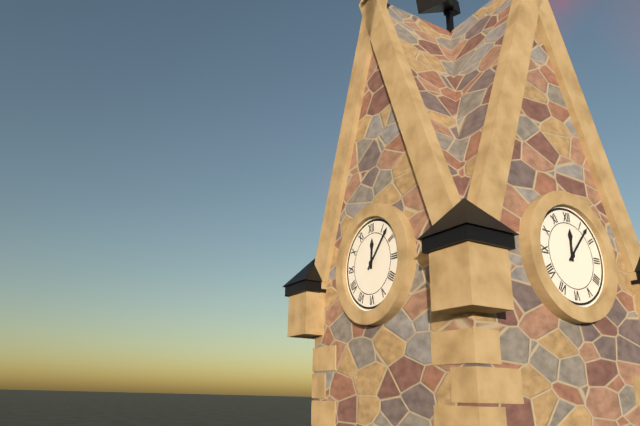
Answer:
12,07
